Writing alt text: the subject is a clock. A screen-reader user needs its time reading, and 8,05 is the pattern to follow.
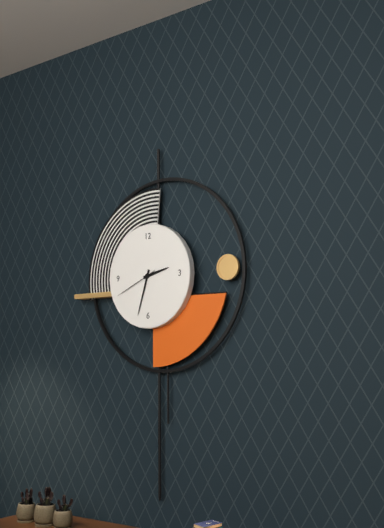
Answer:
2,33
